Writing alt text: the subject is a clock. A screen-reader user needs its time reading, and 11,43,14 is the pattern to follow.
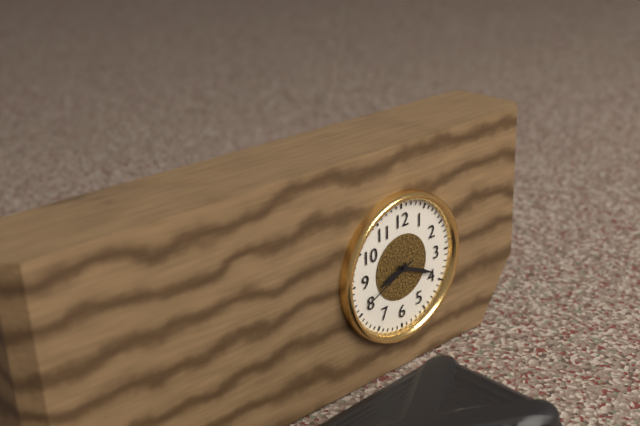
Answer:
8,19,41
